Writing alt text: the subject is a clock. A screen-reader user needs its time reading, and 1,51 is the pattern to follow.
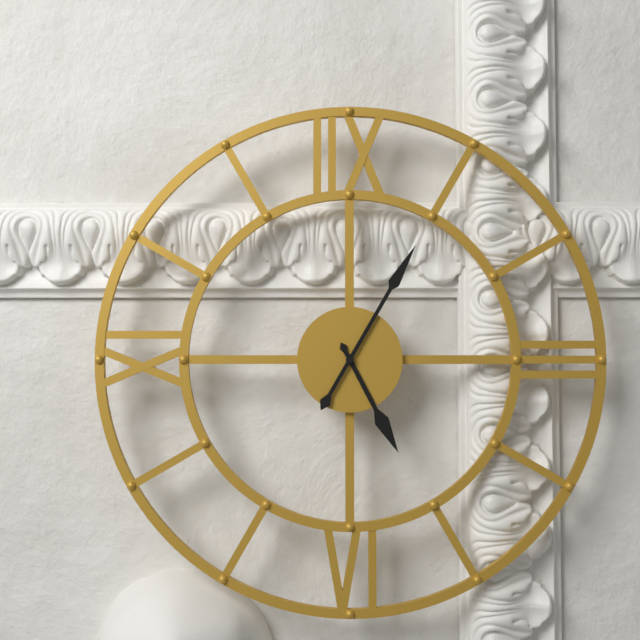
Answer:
5,05
